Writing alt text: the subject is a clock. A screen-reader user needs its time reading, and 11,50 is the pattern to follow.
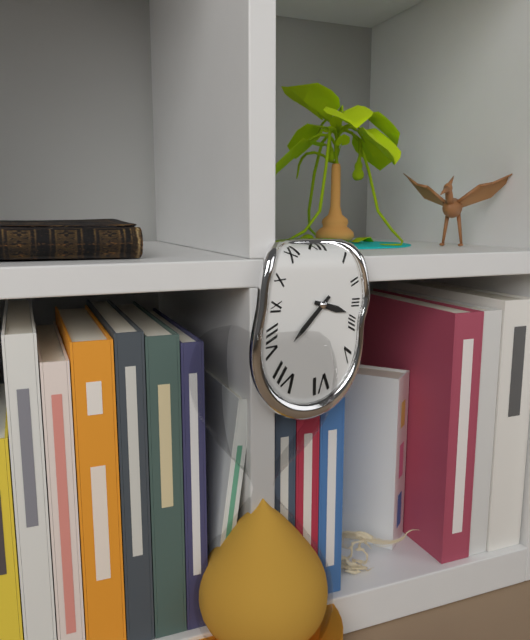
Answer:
3,37
